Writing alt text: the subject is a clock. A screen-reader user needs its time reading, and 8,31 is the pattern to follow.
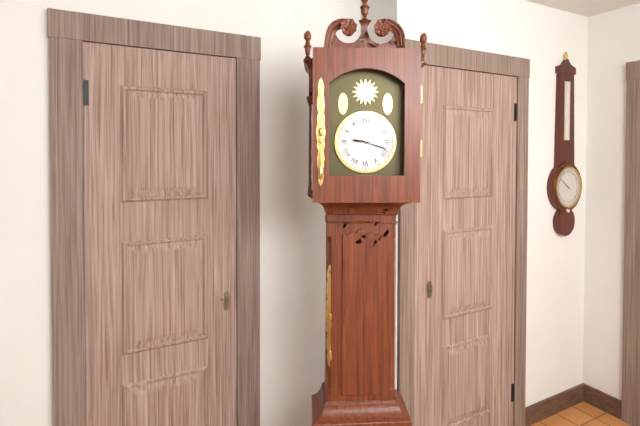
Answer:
9,18
